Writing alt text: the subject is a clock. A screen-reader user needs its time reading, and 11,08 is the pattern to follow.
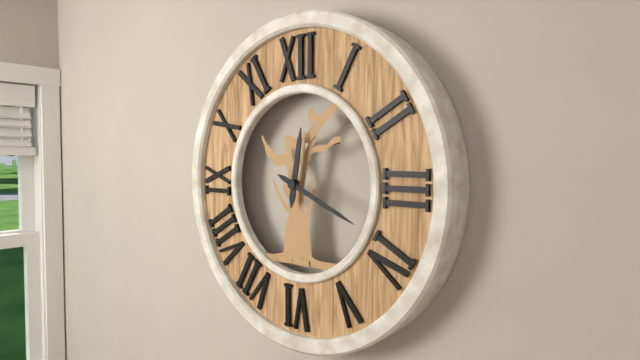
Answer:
12,19
